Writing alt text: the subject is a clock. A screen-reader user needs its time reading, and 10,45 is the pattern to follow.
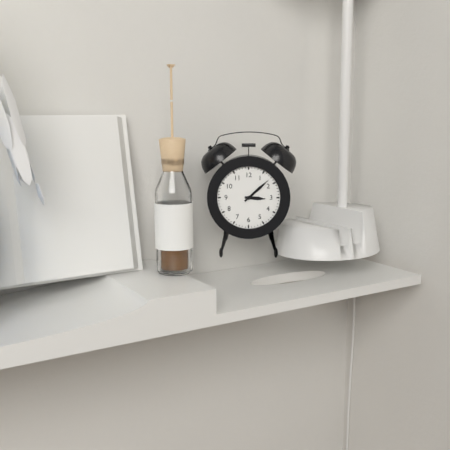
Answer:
3,08
